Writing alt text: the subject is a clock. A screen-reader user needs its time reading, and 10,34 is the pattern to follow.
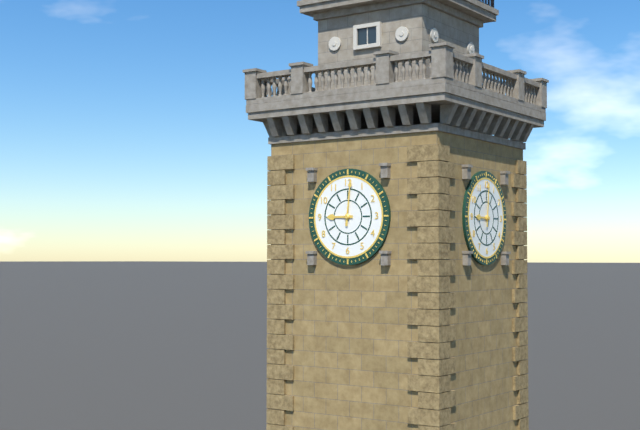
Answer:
9,01
